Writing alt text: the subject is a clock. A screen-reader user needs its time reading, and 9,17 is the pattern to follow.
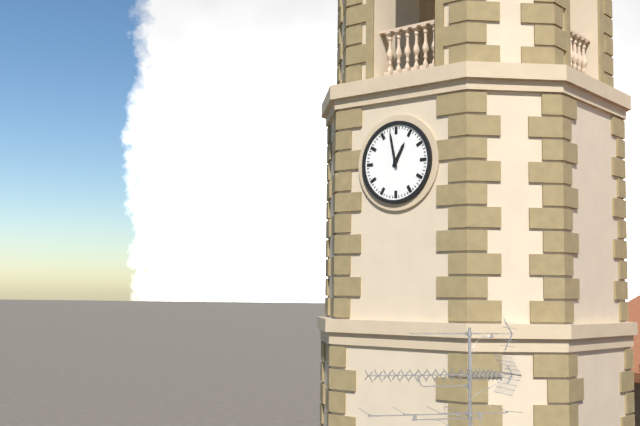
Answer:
12,58
